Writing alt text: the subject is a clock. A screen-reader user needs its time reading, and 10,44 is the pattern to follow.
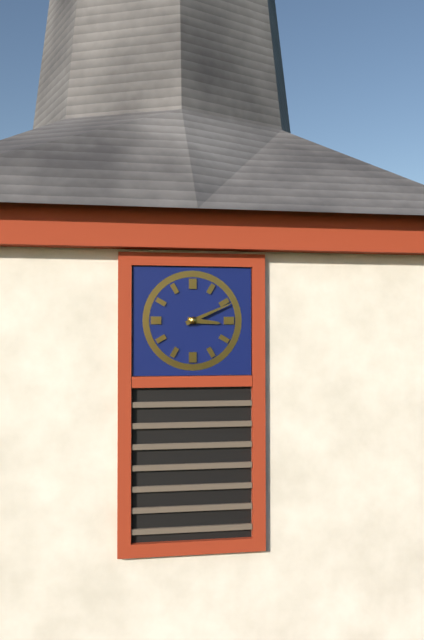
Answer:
3,11
